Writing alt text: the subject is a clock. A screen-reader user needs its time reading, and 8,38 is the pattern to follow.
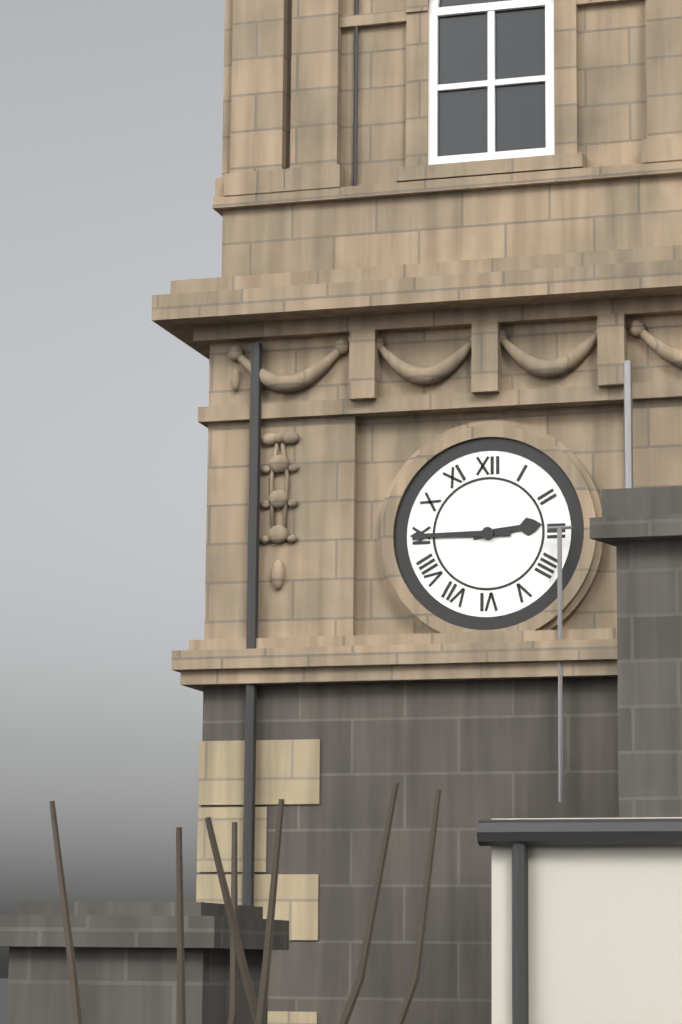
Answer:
2,45
